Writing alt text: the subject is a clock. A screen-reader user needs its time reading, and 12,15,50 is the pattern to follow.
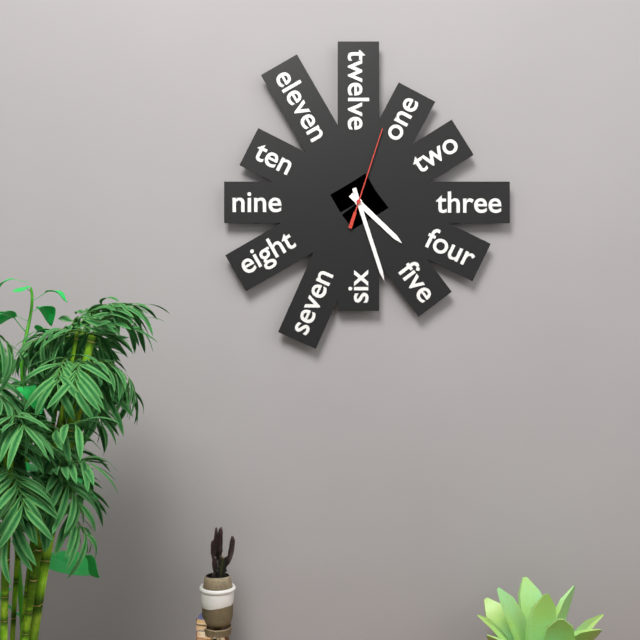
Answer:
4,27,03
